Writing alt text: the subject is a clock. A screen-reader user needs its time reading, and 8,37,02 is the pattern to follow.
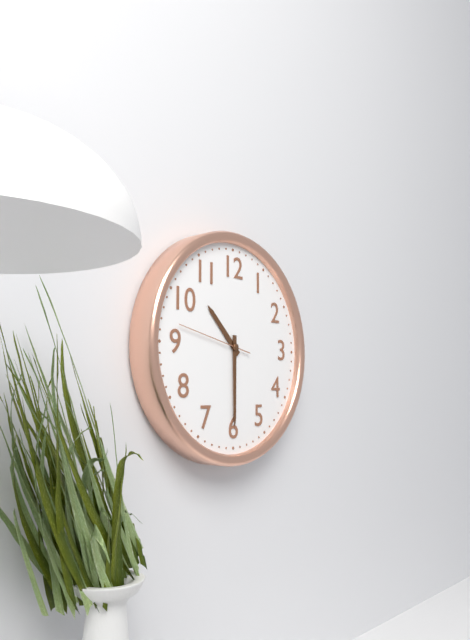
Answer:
10,30,47
